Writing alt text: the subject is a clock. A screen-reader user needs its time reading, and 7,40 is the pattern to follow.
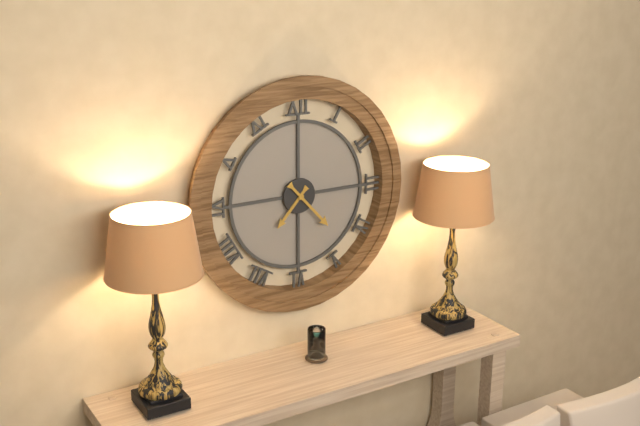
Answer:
7,23
